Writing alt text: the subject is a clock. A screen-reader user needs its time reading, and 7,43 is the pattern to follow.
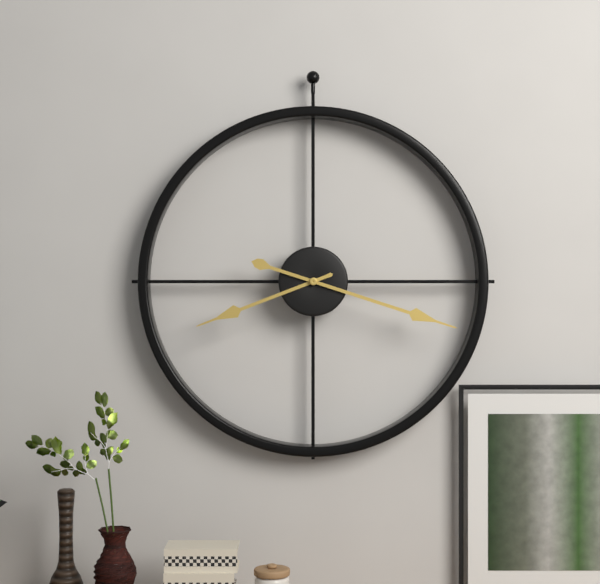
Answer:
8,18
